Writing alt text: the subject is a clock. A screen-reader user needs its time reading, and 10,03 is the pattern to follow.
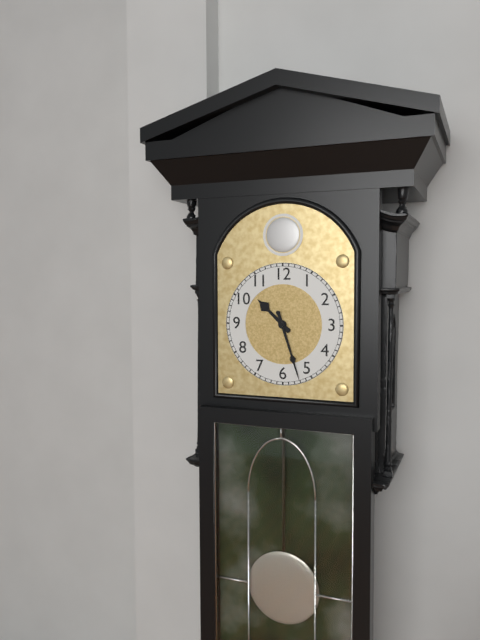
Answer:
10,27
